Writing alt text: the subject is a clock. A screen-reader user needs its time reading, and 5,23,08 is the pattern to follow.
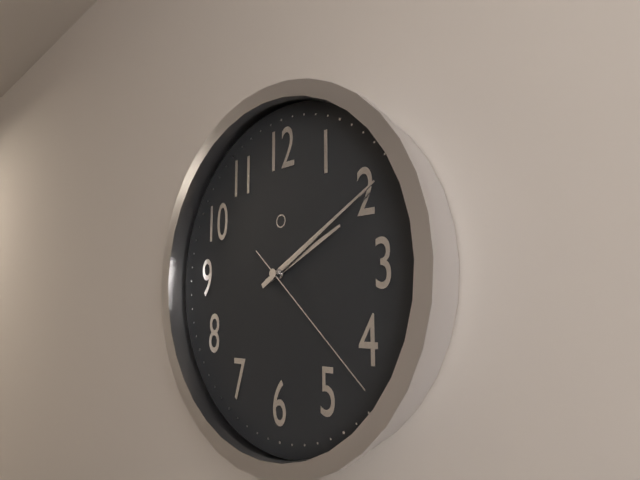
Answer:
2,10,22
